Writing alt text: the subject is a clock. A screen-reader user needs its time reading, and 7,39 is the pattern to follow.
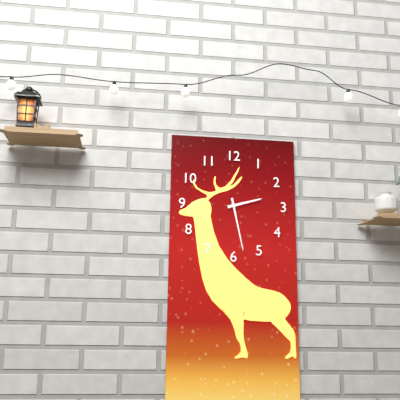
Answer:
2,28
